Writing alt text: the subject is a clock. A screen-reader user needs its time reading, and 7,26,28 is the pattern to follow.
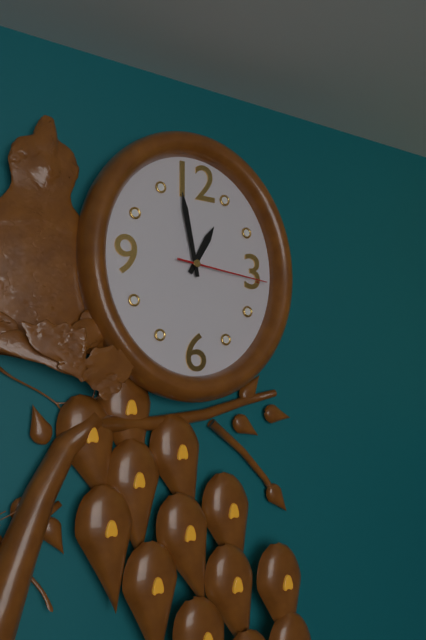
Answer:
12,58,16
